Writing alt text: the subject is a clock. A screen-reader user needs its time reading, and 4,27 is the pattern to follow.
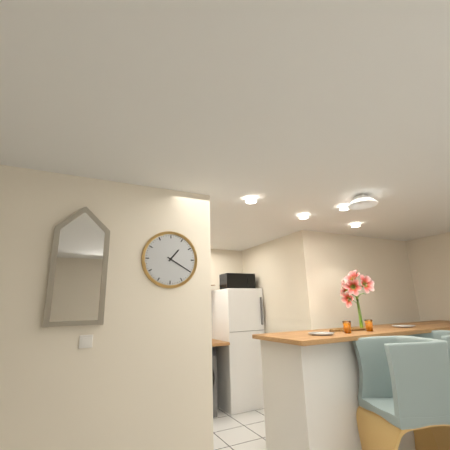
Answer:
1,20
